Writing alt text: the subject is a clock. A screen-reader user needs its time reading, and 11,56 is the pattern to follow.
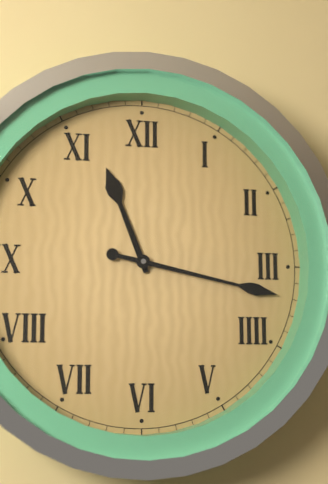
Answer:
11,17
